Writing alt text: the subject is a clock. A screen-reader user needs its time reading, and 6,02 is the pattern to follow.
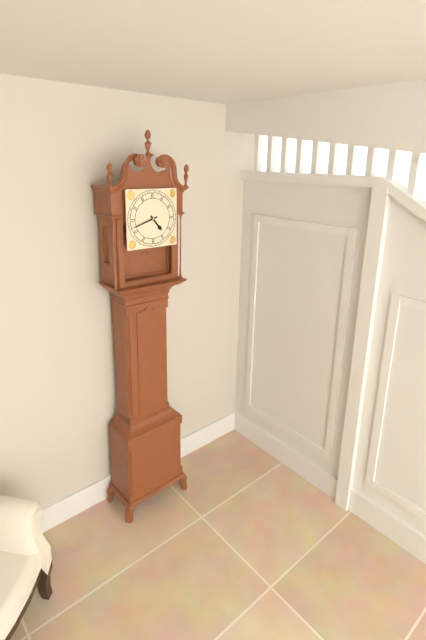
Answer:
4,42
